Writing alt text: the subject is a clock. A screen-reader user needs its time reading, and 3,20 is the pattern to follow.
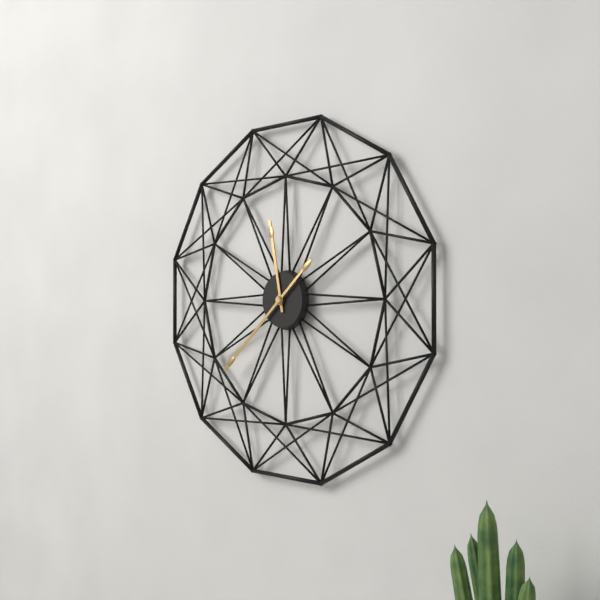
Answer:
11,38
